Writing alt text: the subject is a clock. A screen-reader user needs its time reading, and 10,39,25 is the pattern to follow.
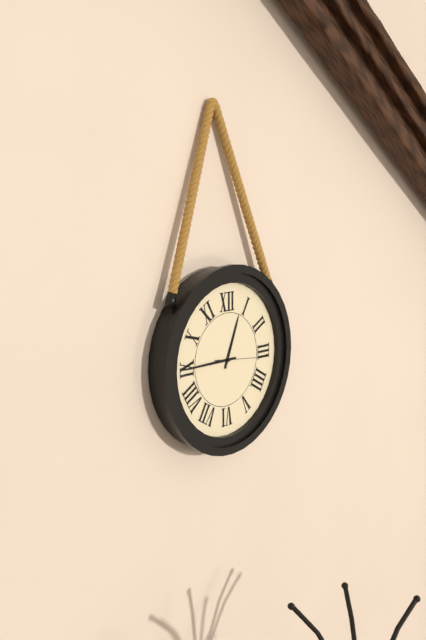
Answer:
12,45,16
